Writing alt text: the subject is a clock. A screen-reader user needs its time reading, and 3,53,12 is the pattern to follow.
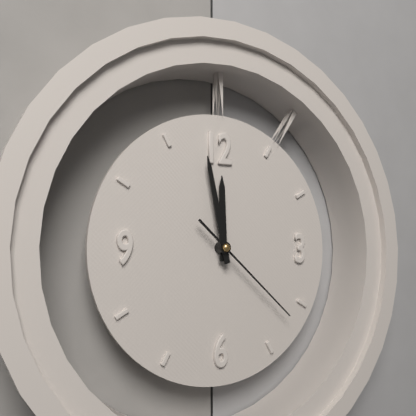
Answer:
11,58,22
